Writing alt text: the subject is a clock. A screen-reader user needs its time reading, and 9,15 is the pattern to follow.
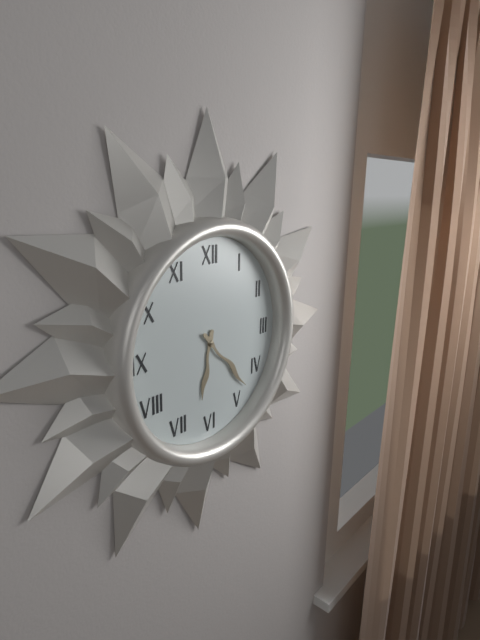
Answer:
6,23
